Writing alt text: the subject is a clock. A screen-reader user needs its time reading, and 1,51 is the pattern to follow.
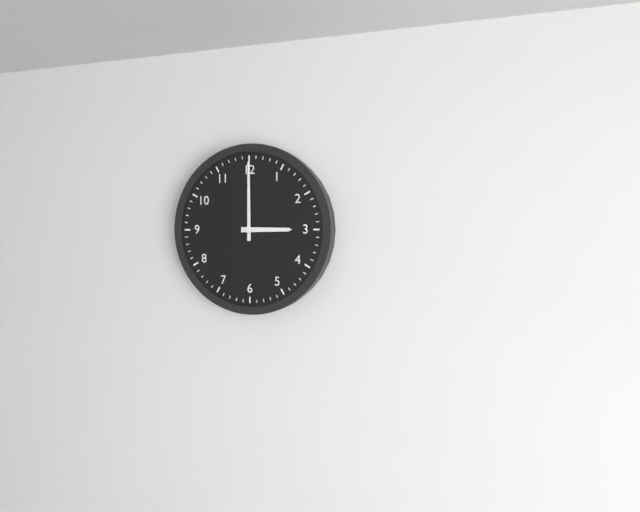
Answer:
3,00
